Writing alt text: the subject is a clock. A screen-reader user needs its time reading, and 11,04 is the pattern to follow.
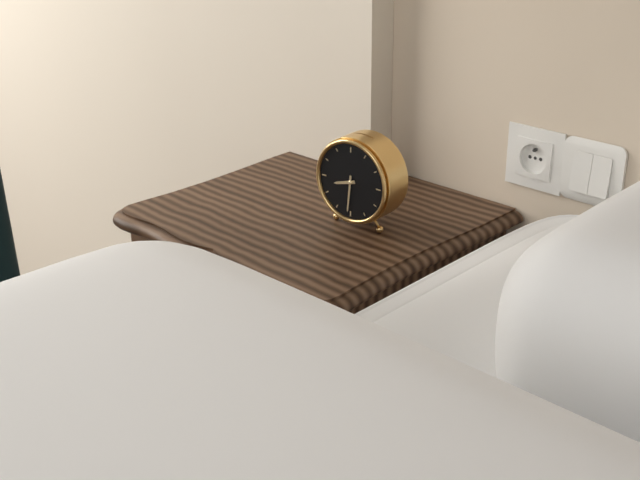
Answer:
8,31
